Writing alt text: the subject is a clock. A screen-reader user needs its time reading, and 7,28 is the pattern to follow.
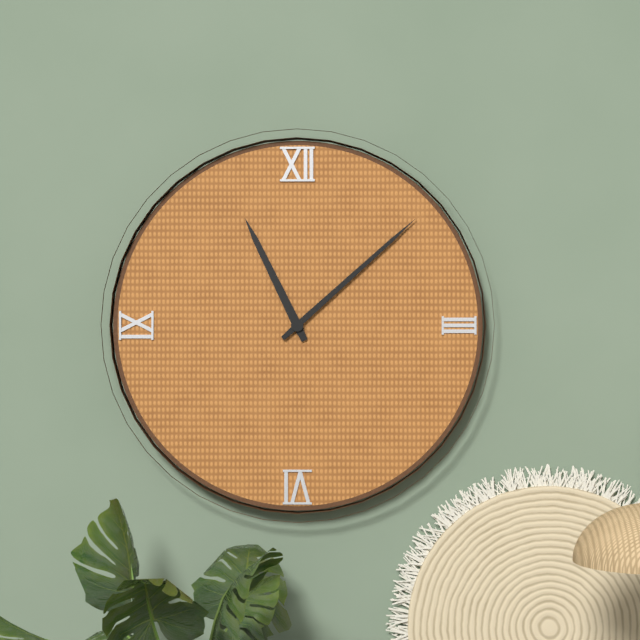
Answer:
11,08
